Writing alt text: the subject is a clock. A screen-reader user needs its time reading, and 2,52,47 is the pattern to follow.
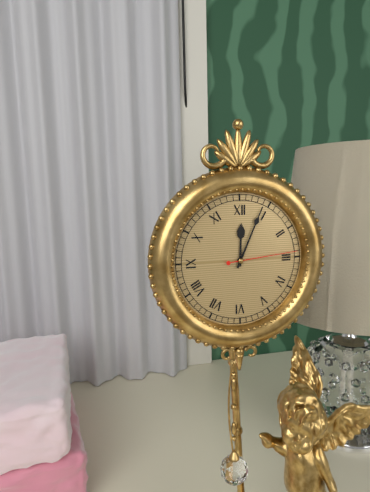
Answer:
12,04,14
